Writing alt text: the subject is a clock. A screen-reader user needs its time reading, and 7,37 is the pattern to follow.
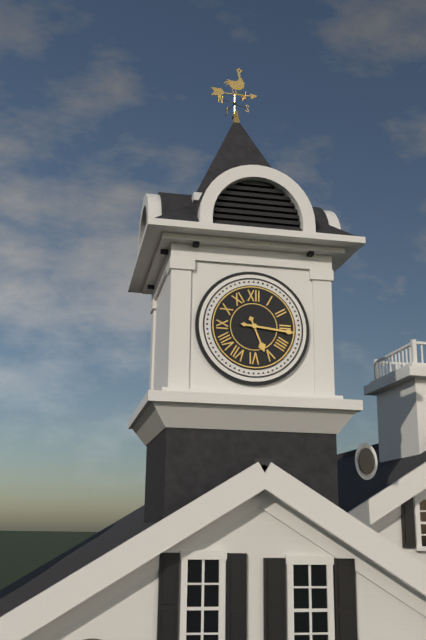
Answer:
5,16
